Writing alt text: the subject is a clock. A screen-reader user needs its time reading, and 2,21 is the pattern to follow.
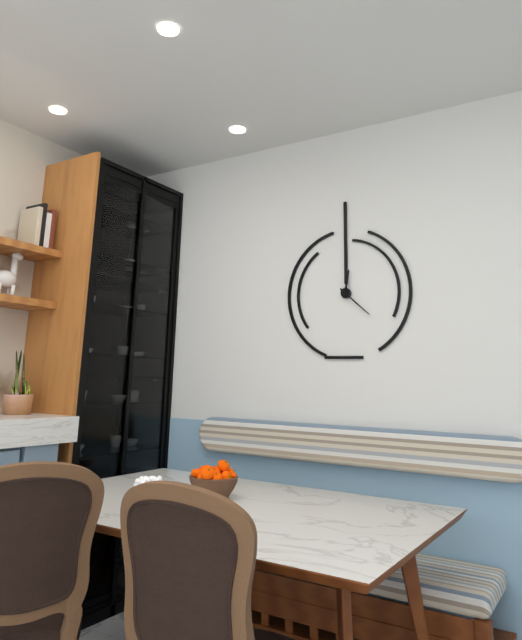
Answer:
12,22
